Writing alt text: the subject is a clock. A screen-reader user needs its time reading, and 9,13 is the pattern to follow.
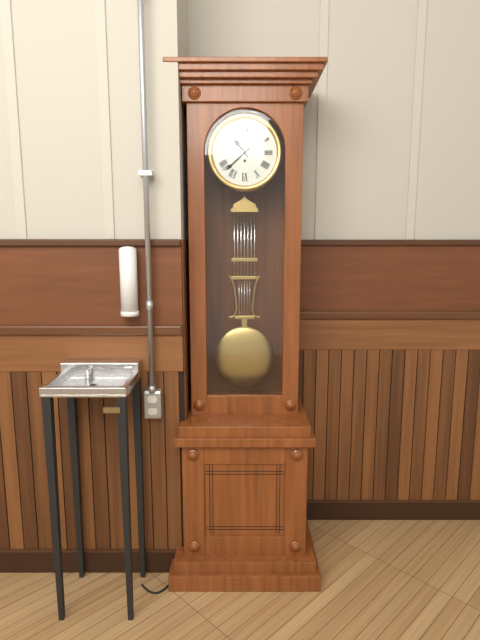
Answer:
10,38
